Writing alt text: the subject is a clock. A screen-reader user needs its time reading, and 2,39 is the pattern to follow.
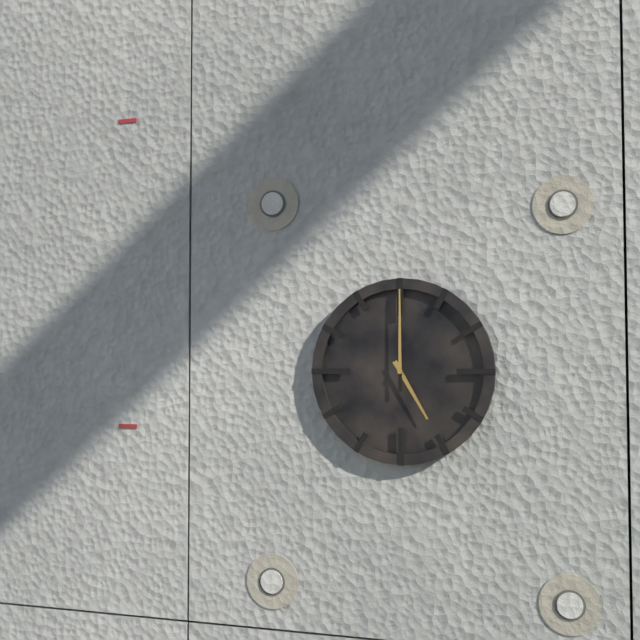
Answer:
5,00
